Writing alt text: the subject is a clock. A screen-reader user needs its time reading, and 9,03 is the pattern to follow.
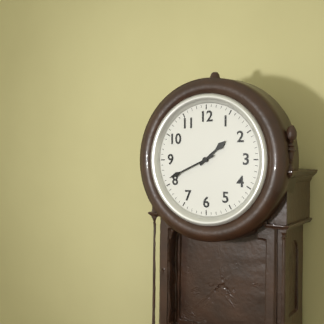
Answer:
1,41
